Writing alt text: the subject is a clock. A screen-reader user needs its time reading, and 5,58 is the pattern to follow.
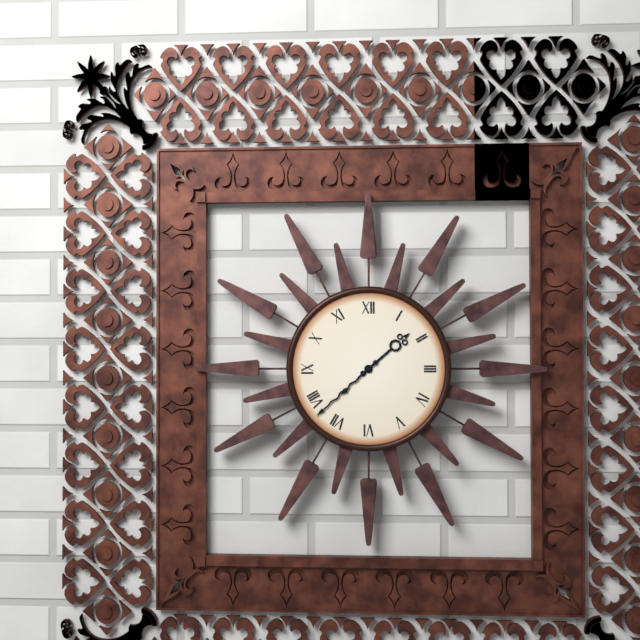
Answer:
1,38
